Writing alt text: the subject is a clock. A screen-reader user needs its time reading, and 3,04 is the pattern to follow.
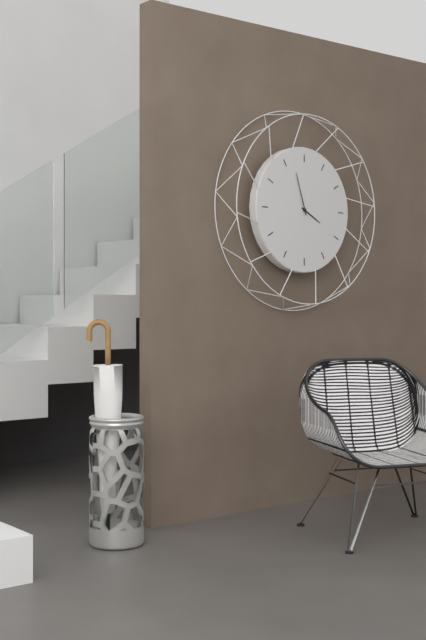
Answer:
3,57
